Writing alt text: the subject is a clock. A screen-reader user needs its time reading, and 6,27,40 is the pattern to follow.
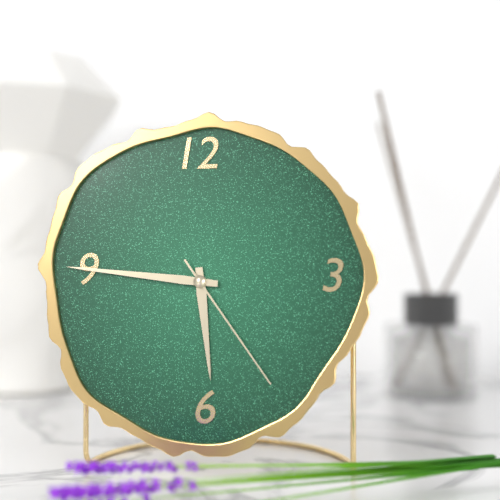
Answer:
5,46,24
